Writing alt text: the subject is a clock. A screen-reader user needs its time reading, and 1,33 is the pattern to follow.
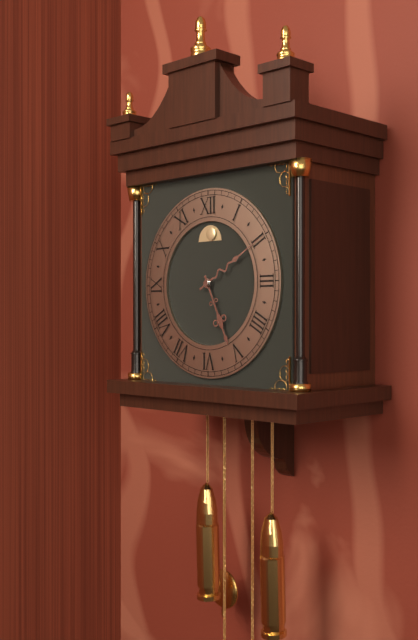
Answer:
5,10
